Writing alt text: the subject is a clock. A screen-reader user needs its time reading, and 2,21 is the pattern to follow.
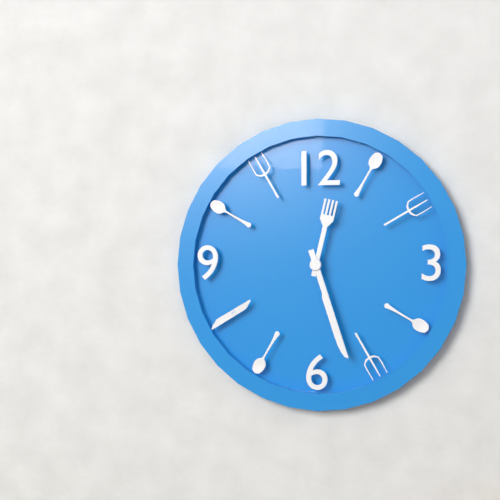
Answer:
12,27
